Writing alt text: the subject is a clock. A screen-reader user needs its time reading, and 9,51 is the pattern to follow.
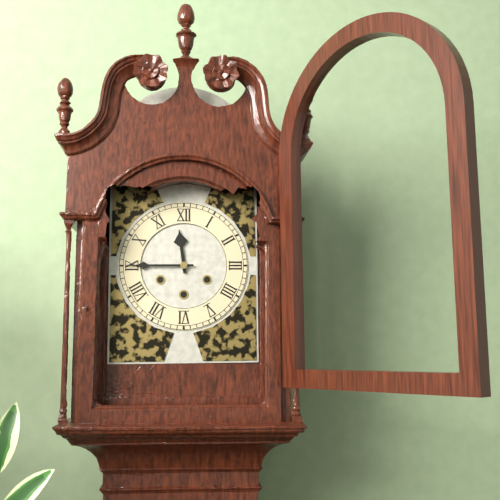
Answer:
11,45
